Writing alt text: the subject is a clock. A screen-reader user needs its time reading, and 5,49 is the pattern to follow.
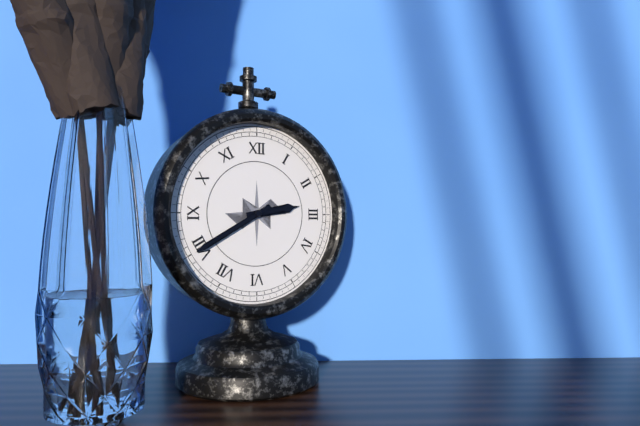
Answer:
2,40
